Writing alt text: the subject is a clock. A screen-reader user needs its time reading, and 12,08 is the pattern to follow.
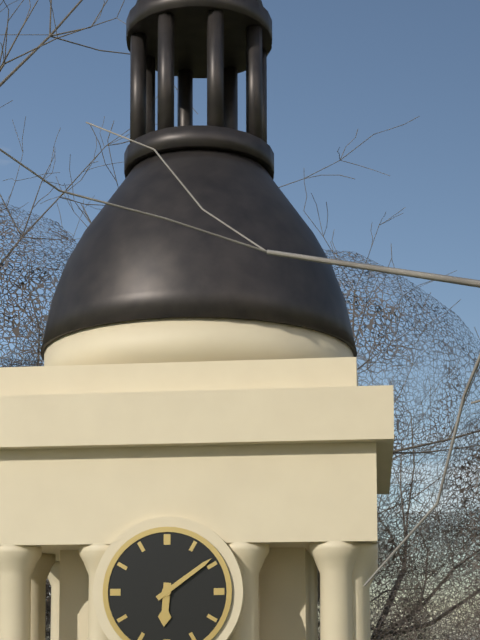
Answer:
6,09
